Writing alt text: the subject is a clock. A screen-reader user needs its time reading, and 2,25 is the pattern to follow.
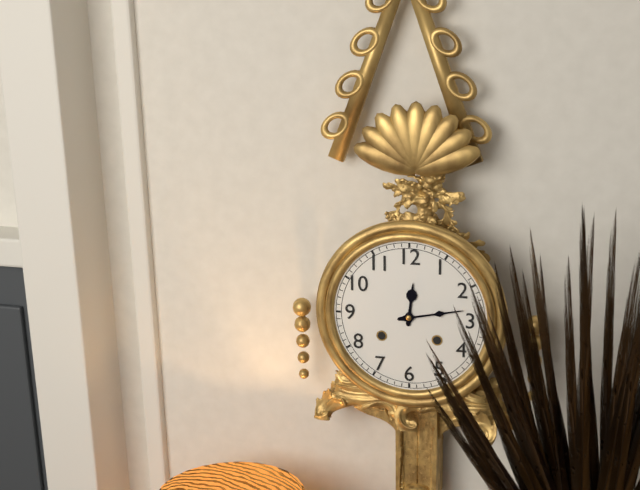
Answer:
12,13
